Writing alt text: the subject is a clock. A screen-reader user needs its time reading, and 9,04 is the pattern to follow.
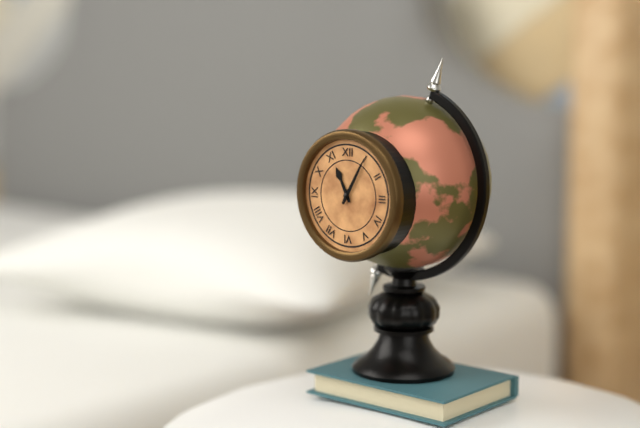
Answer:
11,05
